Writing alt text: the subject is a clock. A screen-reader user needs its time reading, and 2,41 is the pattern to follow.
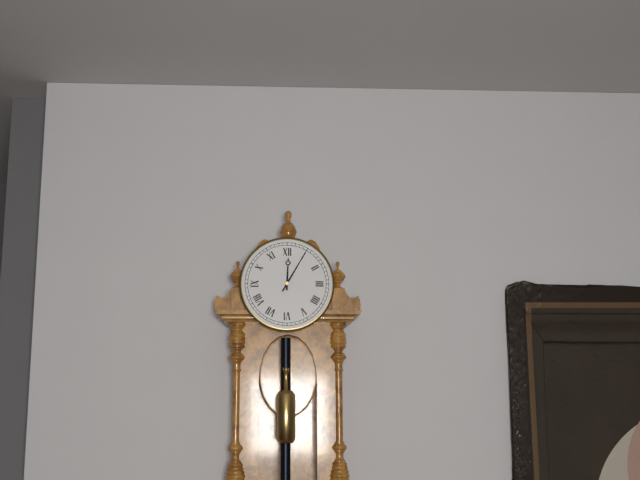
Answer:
12,05
